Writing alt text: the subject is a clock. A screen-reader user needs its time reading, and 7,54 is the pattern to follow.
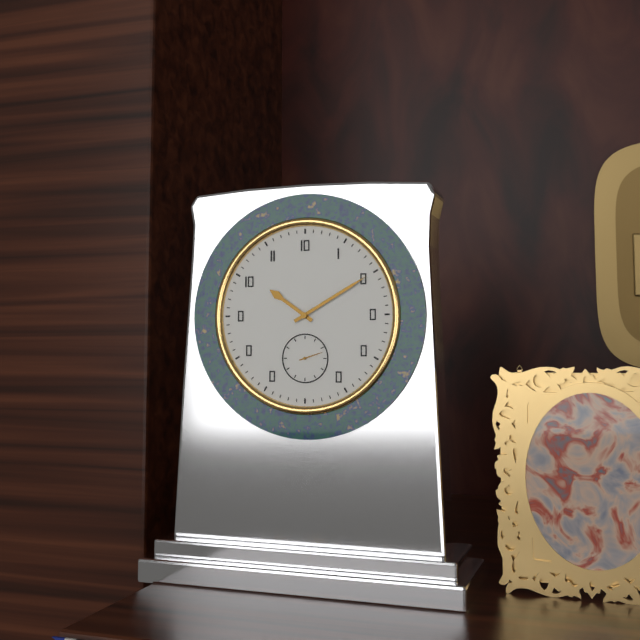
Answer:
10,10
